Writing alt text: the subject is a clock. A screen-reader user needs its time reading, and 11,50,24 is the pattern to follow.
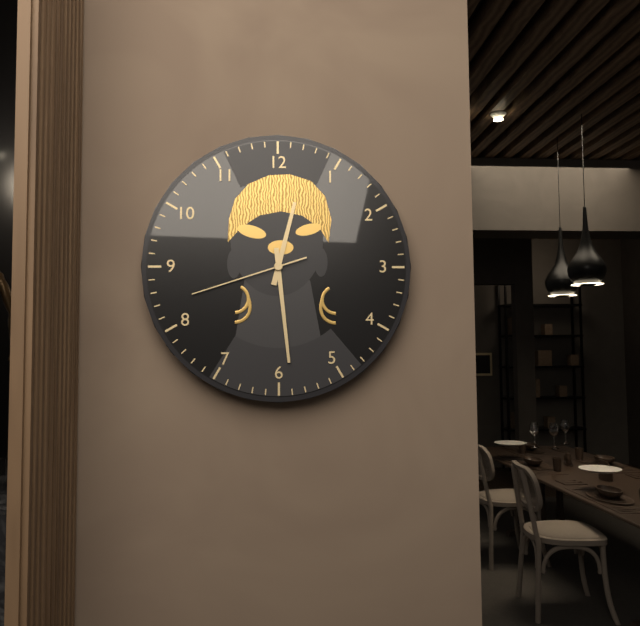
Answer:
12,29,42
